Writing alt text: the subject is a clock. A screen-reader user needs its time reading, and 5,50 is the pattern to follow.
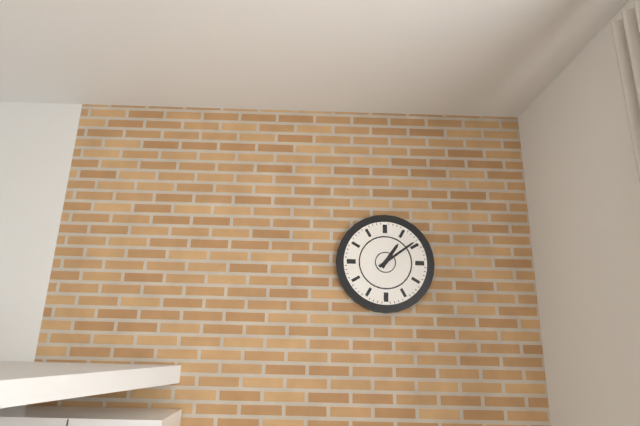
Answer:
1,09
